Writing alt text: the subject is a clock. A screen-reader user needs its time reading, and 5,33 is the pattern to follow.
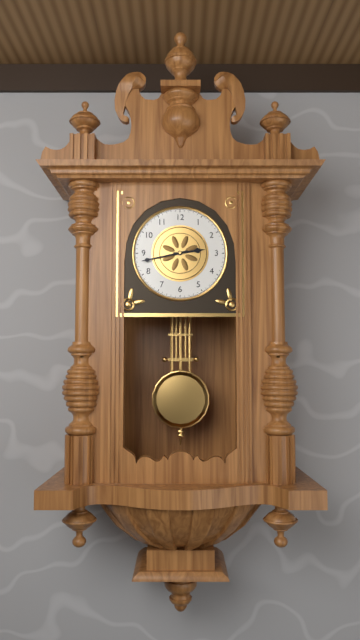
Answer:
2,43
